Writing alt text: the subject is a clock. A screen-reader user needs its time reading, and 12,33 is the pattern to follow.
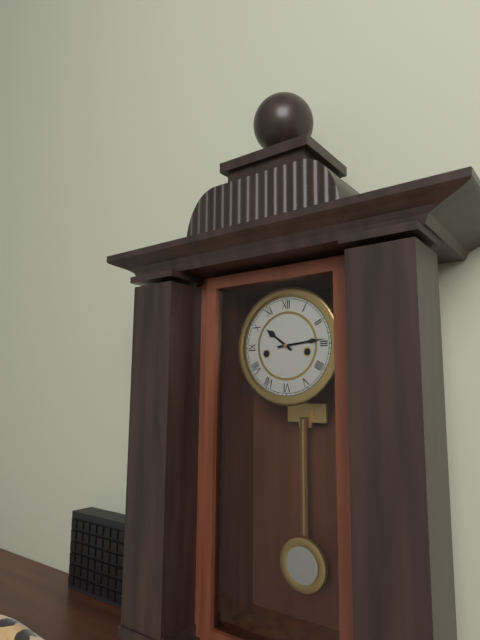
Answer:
10,14
